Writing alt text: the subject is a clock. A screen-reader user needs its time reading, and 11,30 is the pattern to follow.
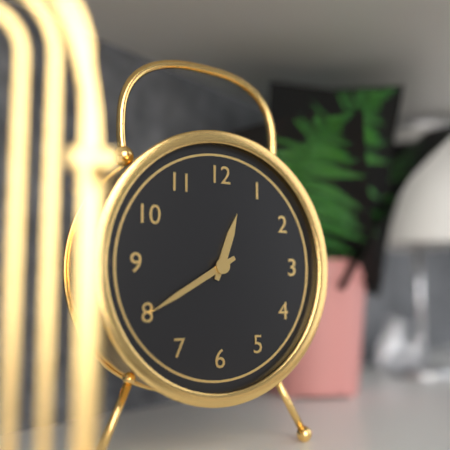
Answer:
12,40
